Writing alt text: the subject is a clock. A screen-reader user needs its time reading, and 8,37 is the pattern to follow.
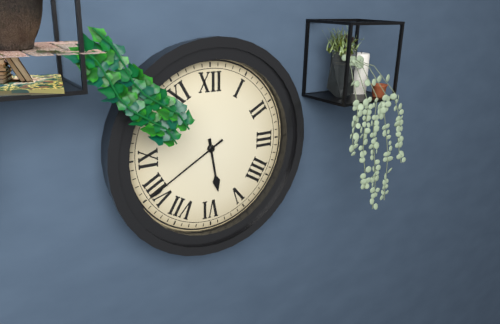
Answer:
5,40
